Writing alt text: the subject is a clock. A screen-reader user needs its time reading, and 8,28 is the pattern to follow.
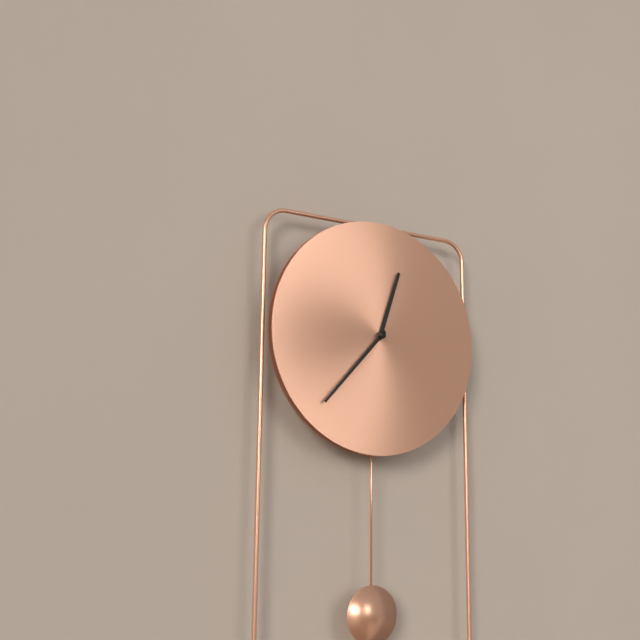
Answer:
12,37
